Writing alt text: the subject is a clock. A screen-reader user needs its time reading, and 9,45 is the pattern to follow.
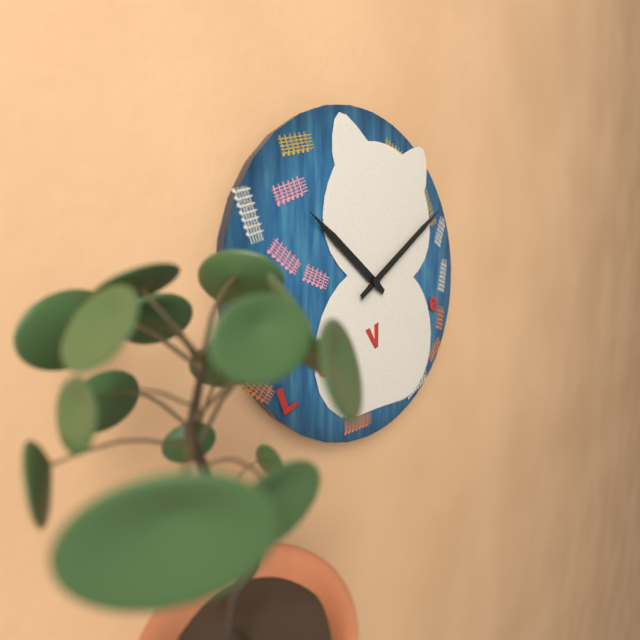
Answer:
10,09
